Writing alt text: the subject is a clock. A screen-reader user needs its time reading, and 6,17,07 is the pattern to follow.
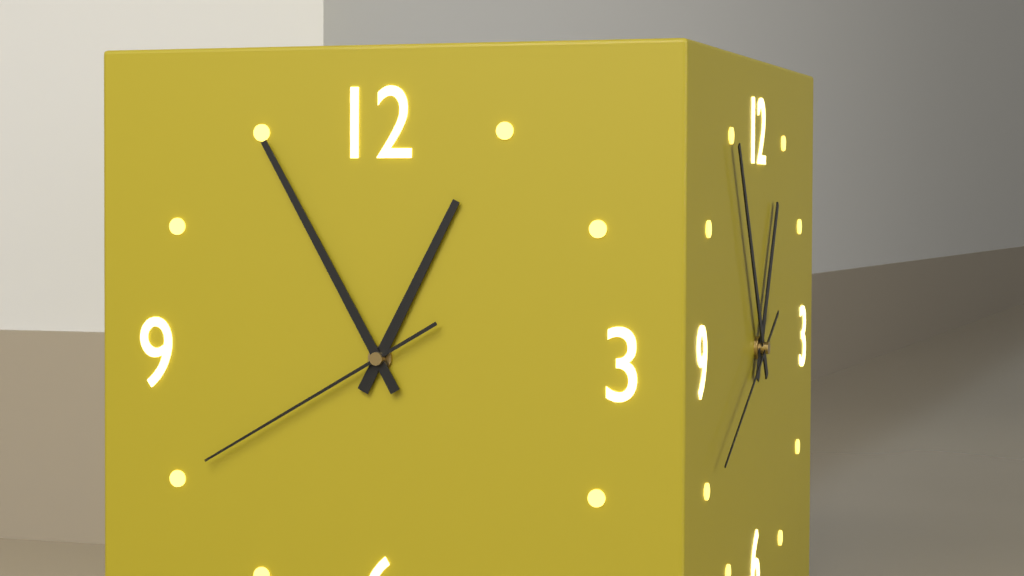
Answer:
12,55,40
